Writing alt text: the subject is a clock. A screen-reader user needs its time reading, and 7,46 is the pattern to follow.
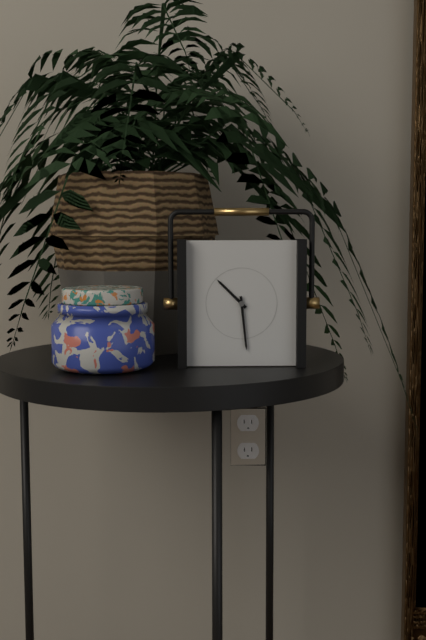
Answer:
10,29
